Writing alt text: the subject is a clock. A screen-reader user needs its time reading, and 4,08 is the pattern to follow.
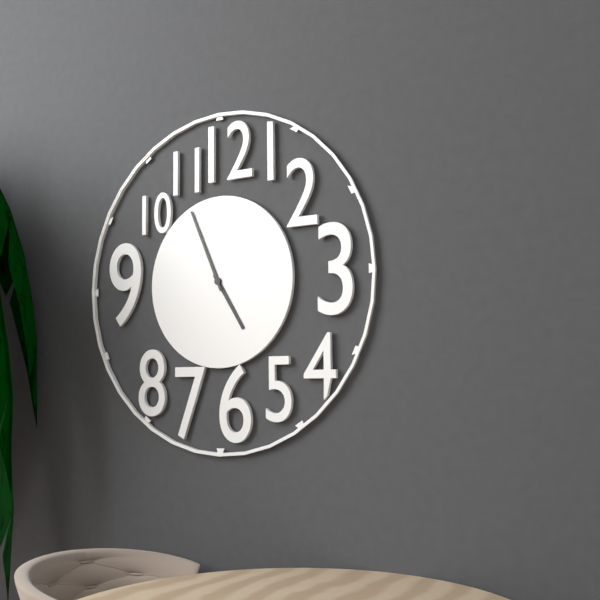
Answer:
4,56
